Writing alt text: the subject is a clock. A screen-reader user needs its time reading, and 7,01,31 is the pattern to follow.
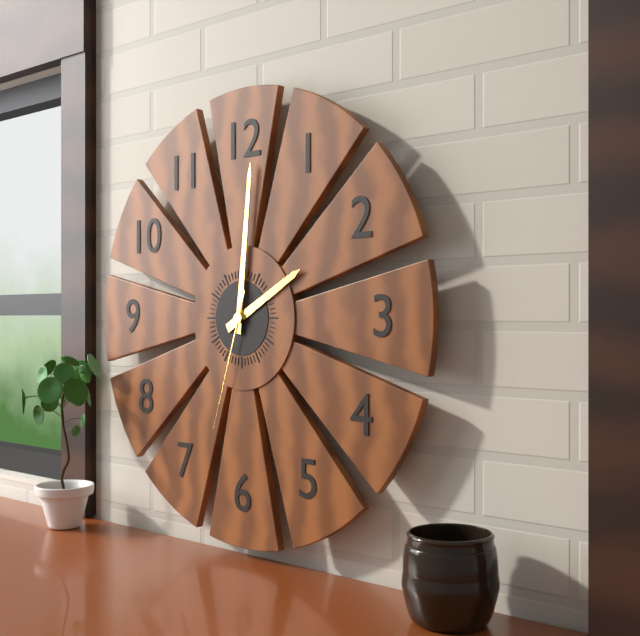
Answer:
2,01,33
